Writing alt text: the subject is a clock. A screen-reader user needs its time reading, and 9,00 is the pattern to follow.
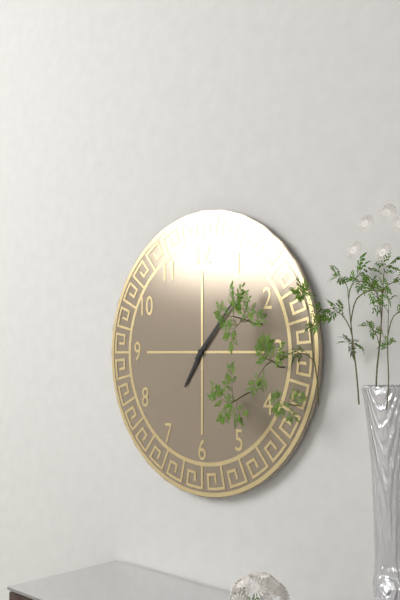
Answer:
7,07
